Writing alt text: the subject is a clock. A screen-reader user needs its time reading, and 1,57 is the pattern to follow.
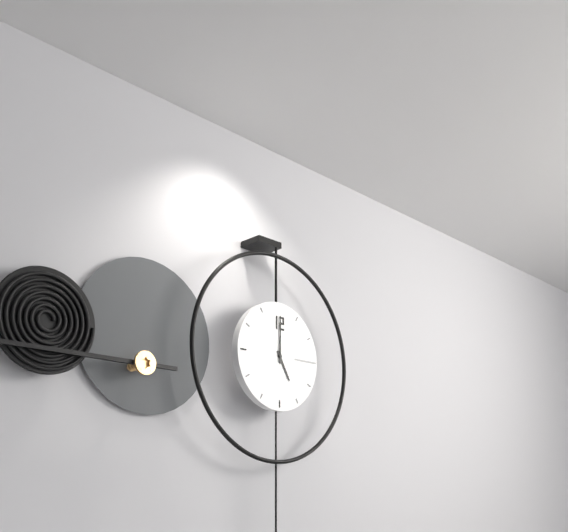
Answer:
5,00
